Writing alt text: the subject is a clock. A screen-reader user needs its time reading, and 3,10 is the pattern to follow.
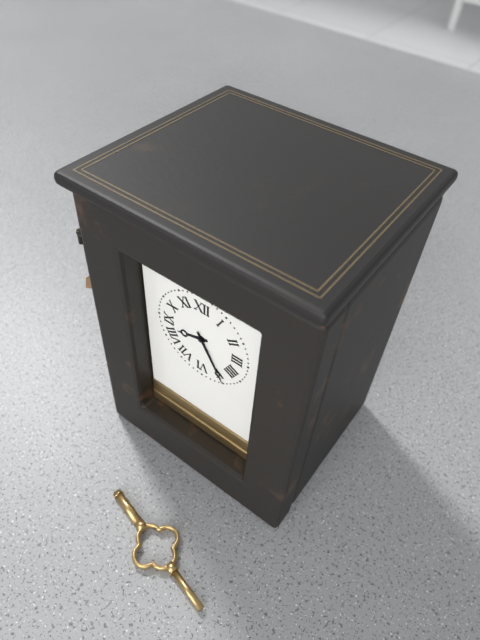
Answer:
8,25
